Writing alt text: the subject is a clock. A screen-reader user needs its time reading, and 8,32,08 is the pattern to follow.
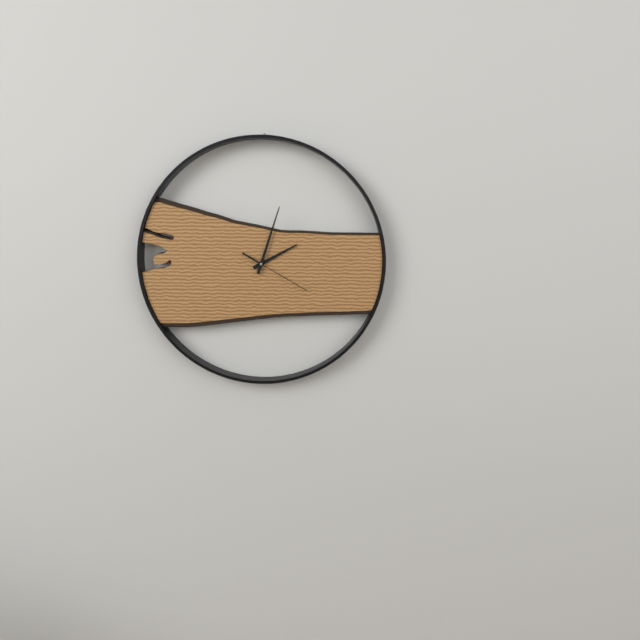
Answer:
2,03,20
